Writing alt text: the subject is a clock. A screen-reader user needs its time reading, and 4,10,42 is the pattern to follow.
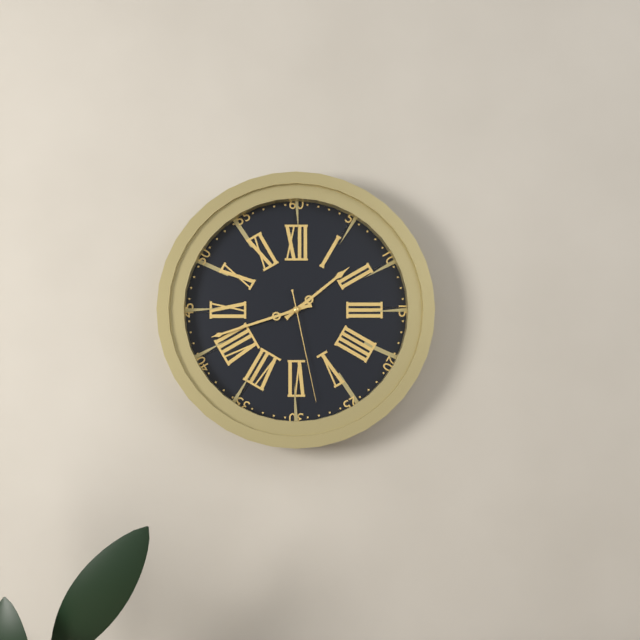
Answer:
1,42,28
